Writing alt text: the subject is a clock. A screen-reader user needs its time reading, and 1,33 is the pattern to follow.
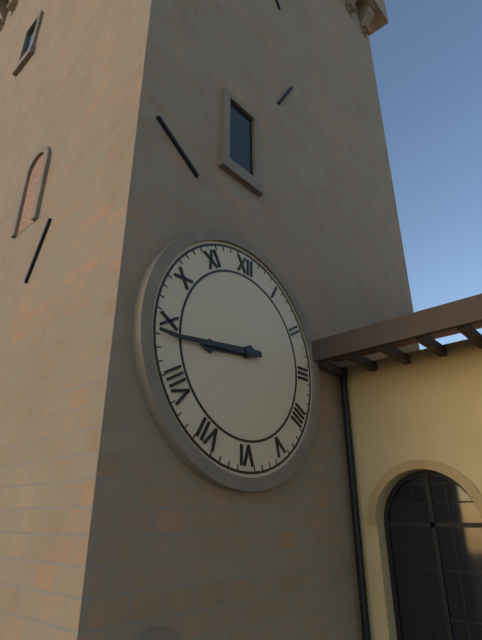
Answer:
8,44
